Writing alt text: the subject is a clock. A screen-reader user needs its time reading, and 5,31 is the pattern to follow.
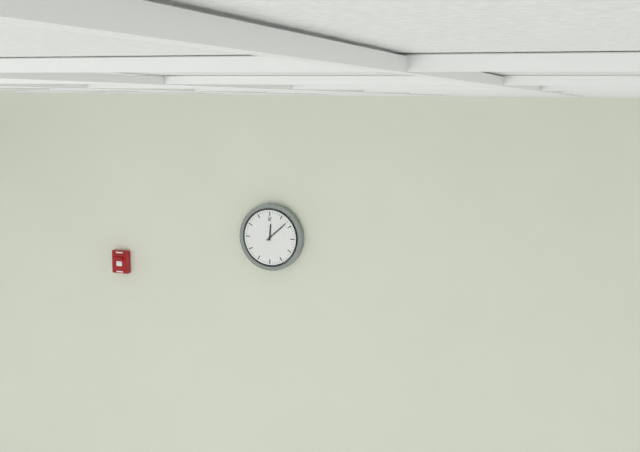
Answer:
12,08
